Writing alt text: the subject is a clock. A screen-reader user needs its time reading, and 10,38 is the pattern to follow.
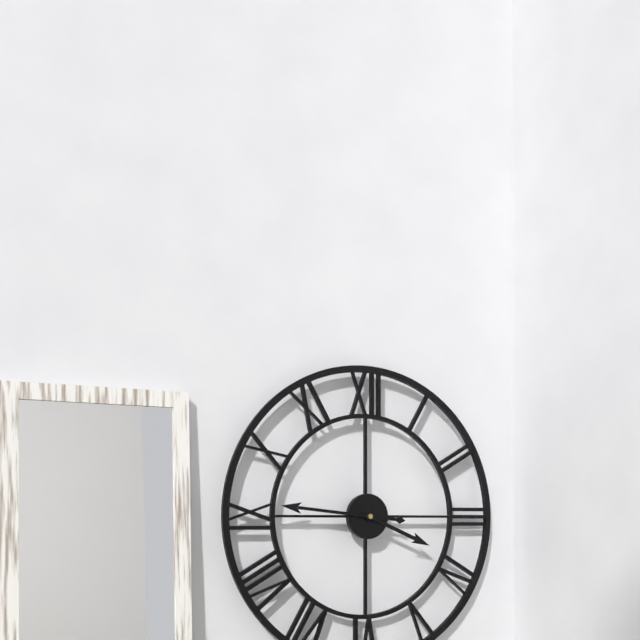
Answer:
3,46
